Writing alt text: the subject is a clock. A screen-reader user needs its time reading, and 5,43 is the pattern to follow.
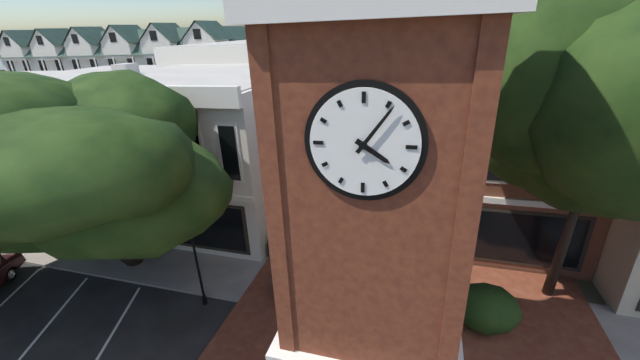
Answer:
4,06
